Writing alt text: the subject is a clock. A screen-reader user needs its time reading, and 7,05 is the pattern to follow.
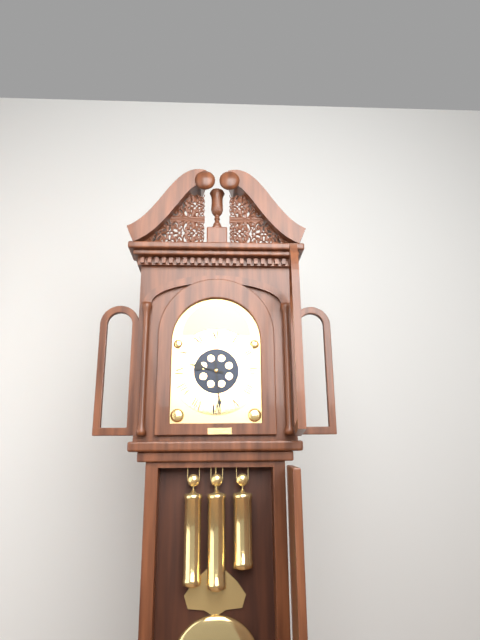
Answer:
9,29
